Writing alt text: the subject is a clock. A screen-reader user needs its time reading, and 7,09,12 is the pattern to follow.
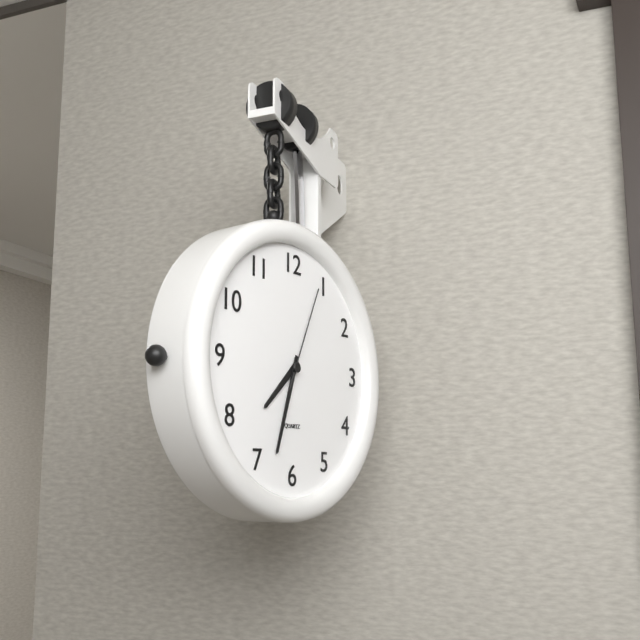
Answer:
7,33,04
